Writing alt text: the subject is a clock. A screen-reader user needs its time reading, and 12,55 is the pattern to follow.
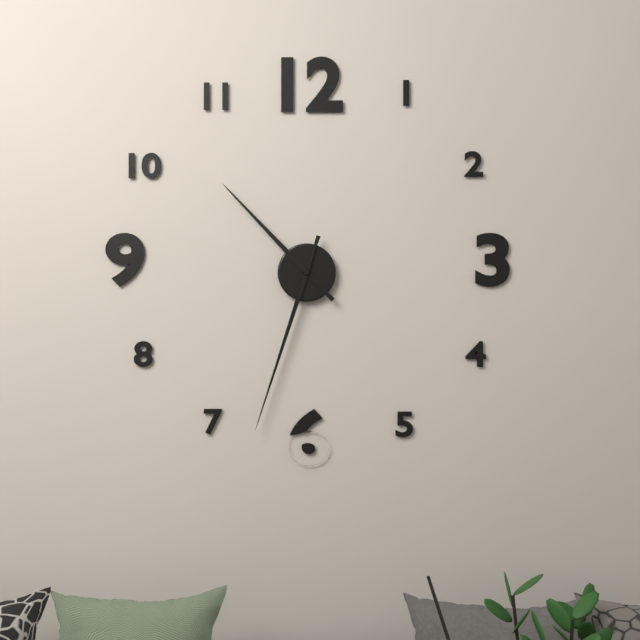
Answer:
10,33
